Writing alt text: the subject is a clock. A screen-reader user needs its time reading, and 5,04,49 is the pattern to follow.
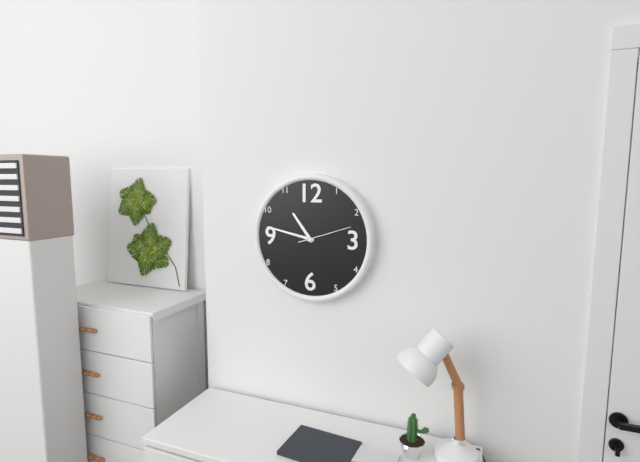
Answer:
10,47,12
